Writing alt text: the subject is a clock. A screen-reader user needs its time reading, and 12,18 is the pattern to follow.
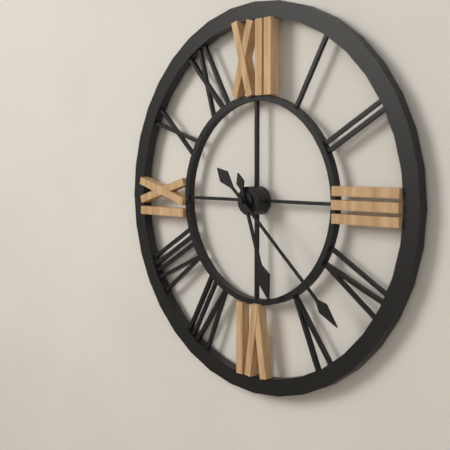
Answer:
5,22
